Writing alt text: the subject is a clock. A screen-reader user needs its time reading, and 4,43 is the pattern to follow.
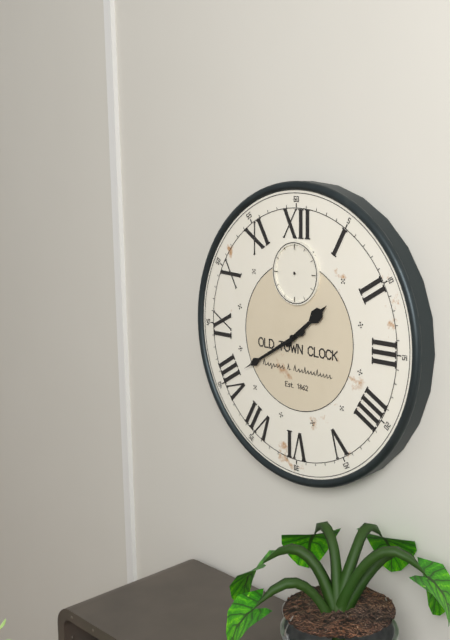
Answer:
1,40
